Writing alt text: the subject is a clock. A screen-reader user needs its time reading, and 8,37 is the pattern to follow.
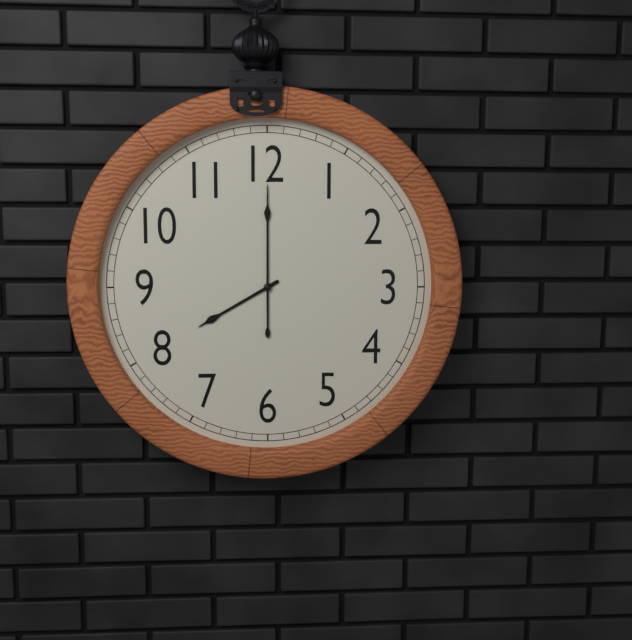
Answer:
8,00
